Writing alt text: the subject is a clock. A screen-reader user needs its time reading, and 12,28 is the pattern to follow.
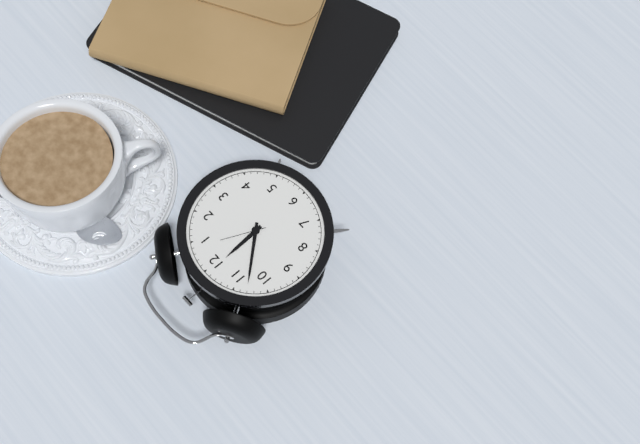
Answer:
11,53
